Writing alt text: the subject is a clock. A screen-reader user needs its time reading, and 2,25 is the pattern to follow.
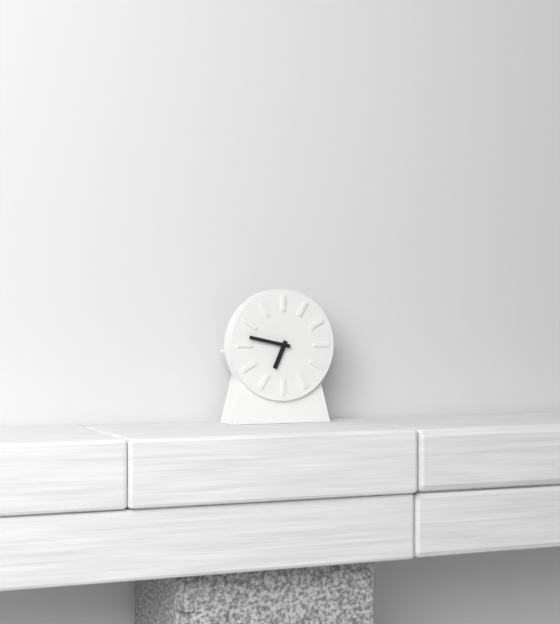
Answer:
6,47
